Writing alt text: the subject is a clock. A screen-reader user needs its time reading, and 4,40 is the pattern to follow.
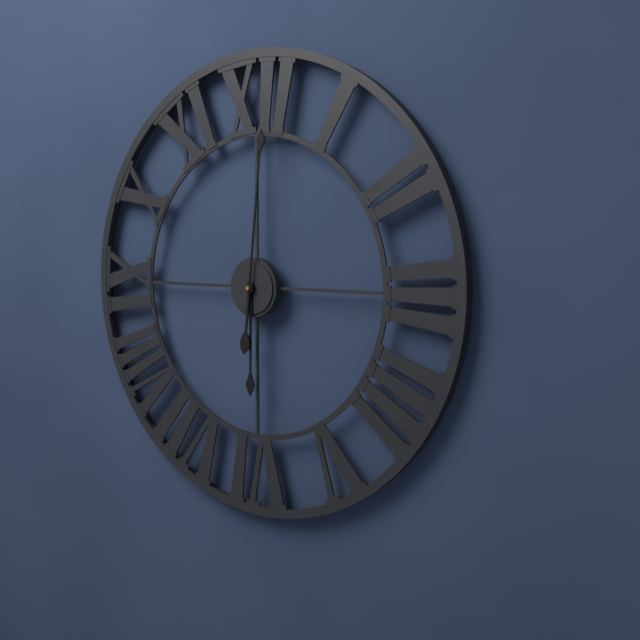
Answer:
6,01
